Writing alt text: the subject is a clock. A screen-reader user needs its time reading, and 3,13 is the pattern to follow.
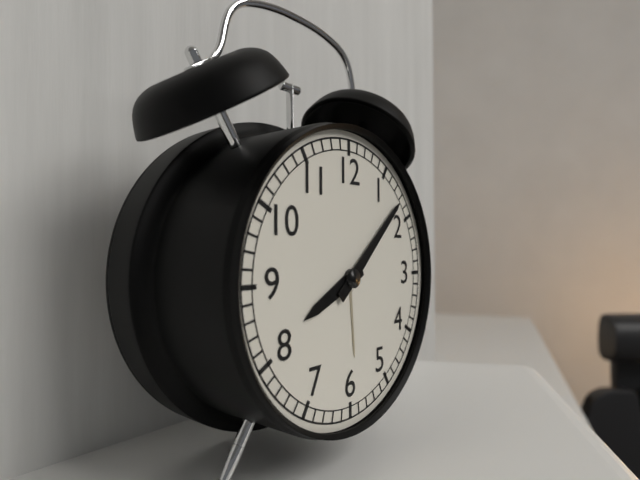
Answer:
8,08
